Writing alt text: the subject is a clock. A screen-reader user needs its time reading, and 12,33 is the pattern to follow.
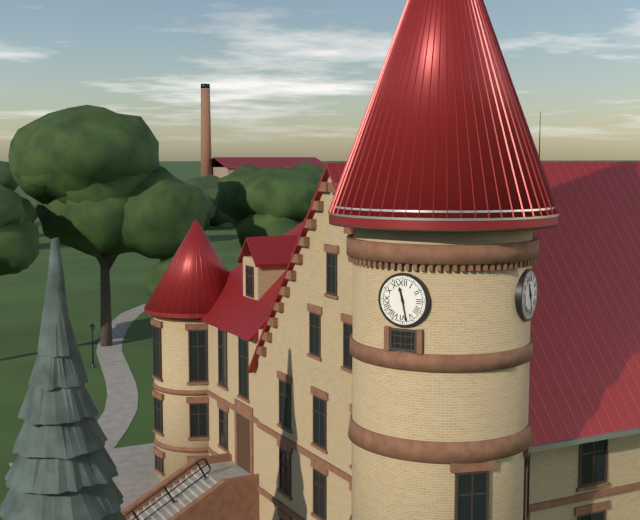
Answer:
11,28
